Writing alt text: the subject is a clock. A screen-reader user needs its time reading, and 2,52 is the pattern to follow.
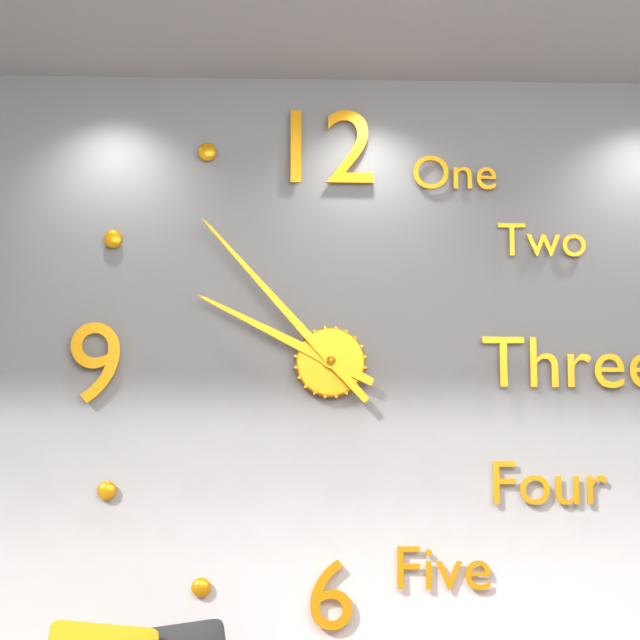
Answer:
9,53
